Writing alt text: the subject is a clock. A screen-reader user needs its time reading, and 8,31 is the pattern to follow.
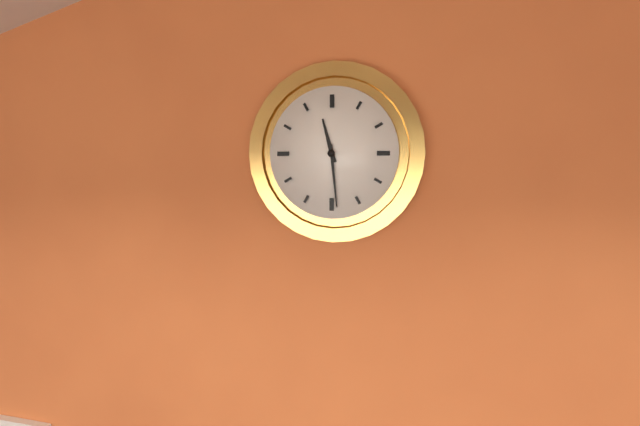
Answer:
11,29
